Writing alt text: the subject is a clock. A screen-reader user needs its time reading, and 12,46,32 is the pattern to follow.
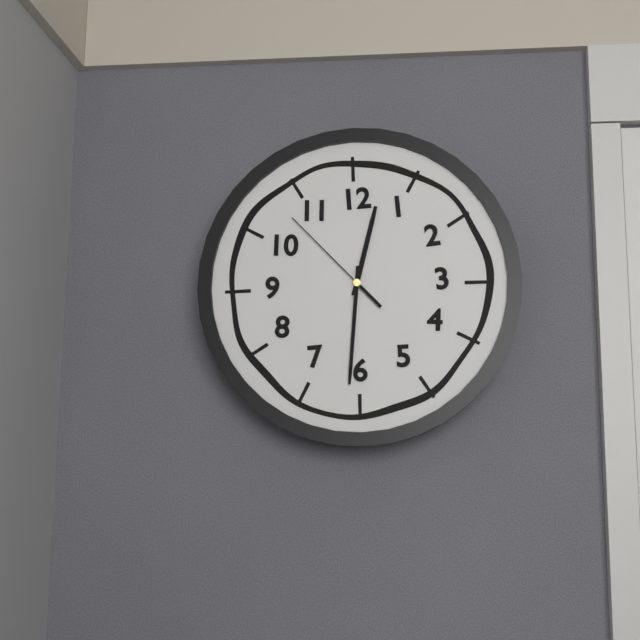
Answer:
12,31,53
